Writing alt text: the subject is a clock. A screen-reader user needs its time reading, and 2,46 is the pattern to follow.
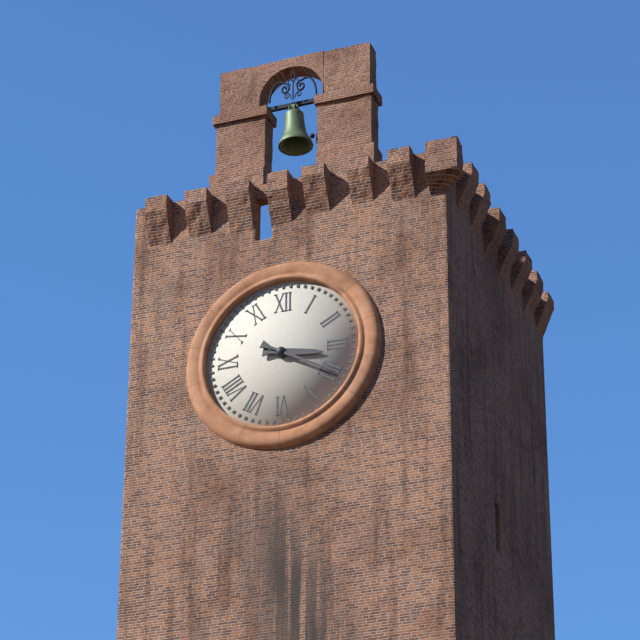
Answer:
3,20
